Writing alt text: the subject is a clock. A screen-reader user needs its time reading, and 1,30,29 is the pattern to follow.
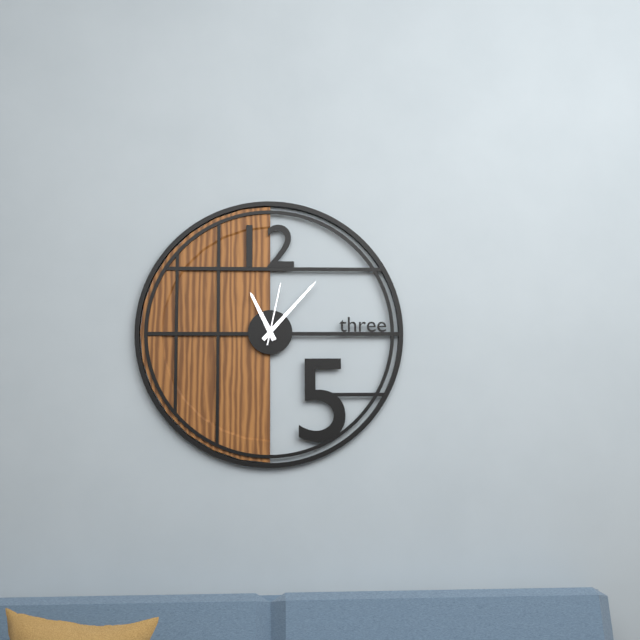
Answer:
11,07,02
